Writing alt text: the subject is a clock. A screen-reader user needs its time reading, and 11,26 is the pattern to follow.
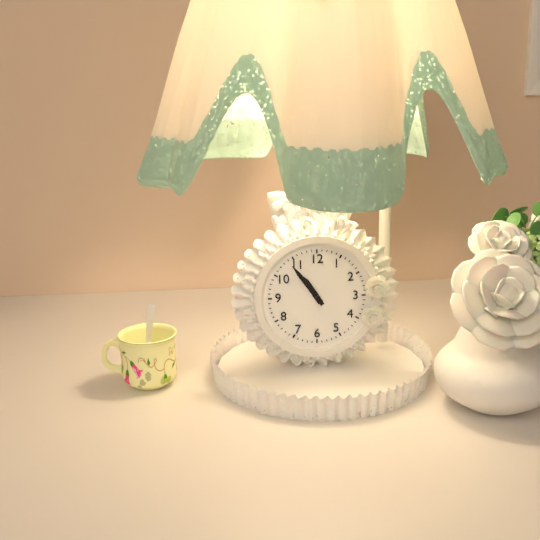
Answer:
10,54
